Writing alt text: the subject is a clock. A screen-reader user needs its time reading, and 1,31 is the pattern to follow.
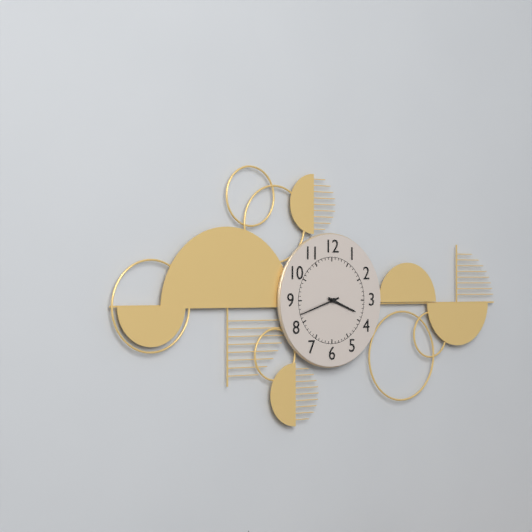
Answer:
3,42
